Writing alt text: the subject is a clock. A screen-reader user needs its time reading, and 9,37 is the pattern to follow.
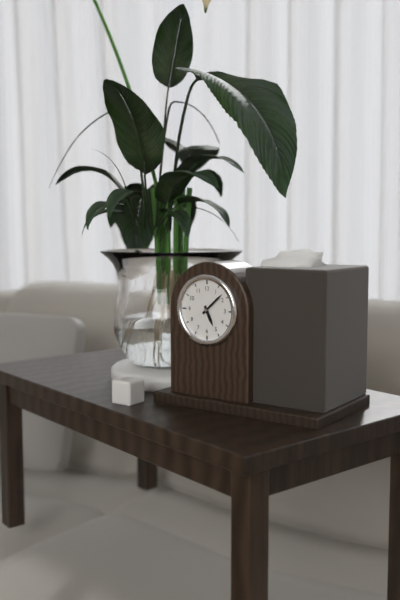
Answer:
5,08
